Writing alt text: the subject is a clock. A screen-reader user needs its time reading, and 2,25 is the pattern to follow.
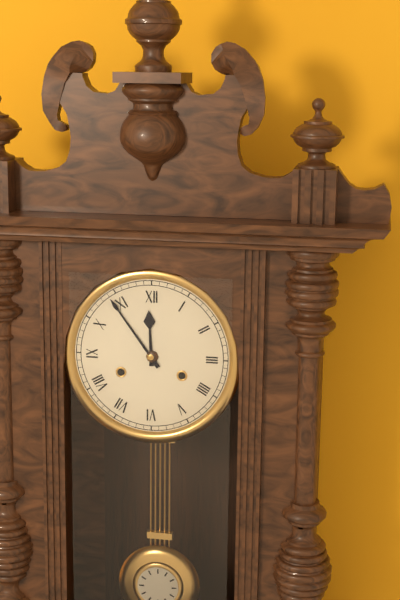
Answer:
11,54
